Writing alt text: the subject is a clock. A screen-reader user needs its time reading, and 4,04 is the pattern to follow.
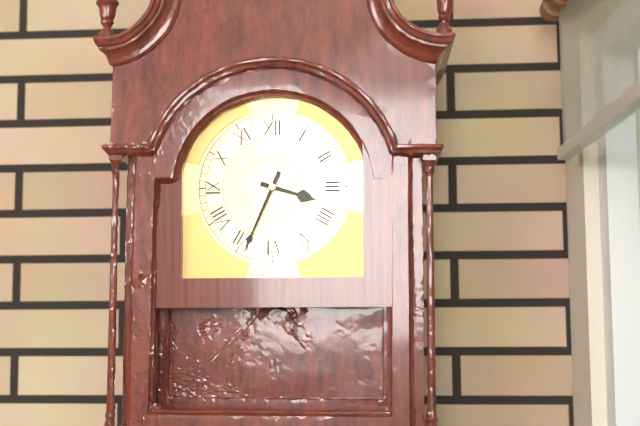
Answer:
3,34
